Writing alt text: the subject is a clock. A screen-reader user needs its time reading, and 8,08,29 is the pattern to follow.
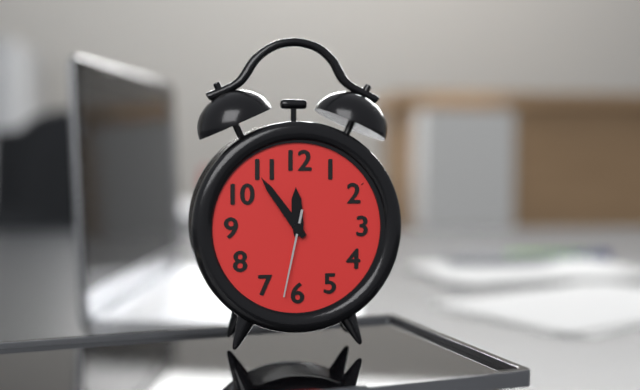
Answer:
11,54,32
